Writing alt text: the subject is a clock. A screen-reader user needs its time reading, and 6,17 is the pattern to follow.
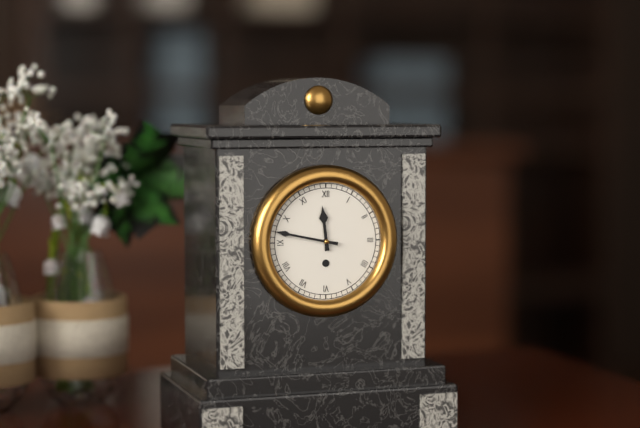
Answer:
11,47
